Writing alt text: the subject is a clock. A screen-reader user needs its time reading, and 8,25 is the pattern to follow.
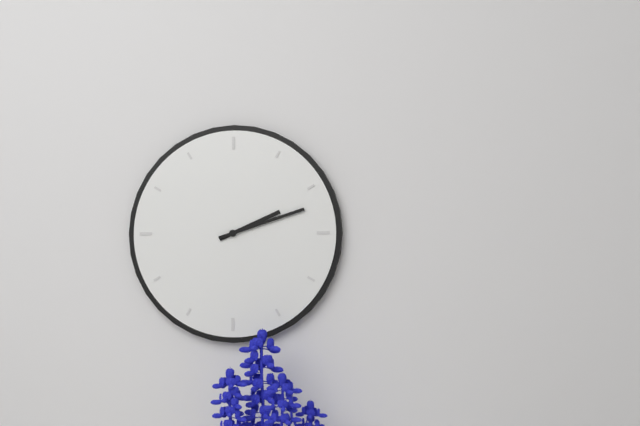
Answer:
2,12
